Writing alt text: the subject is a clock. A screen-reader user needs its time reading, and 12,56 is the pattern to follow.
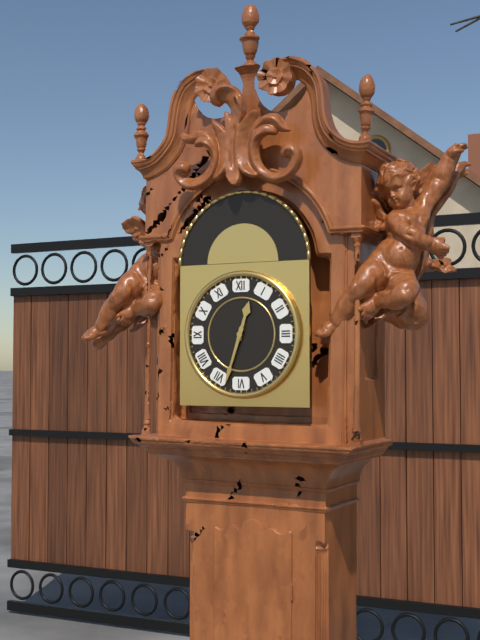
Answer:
12,33
